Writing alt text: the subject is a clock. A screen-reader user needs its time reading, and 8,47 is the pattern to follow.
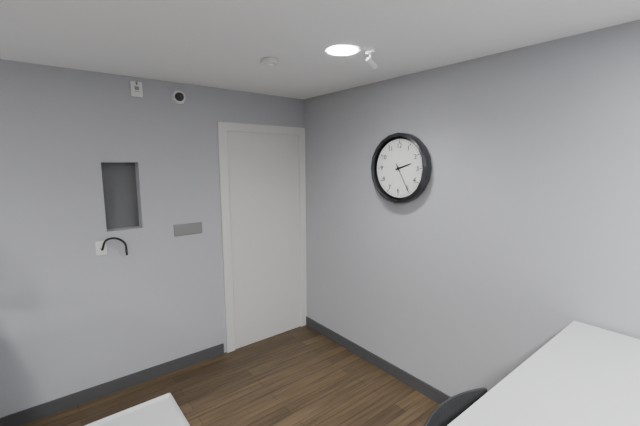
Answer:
2,25
